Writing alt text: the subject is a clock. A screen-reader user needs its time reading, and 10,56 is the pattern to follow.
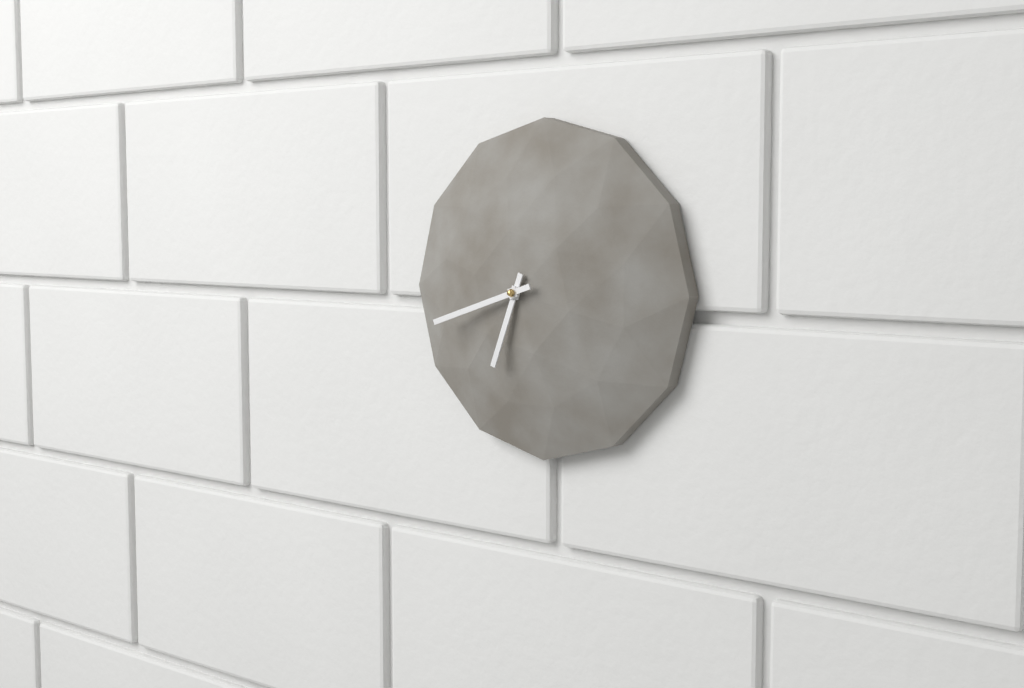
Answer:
6,42
